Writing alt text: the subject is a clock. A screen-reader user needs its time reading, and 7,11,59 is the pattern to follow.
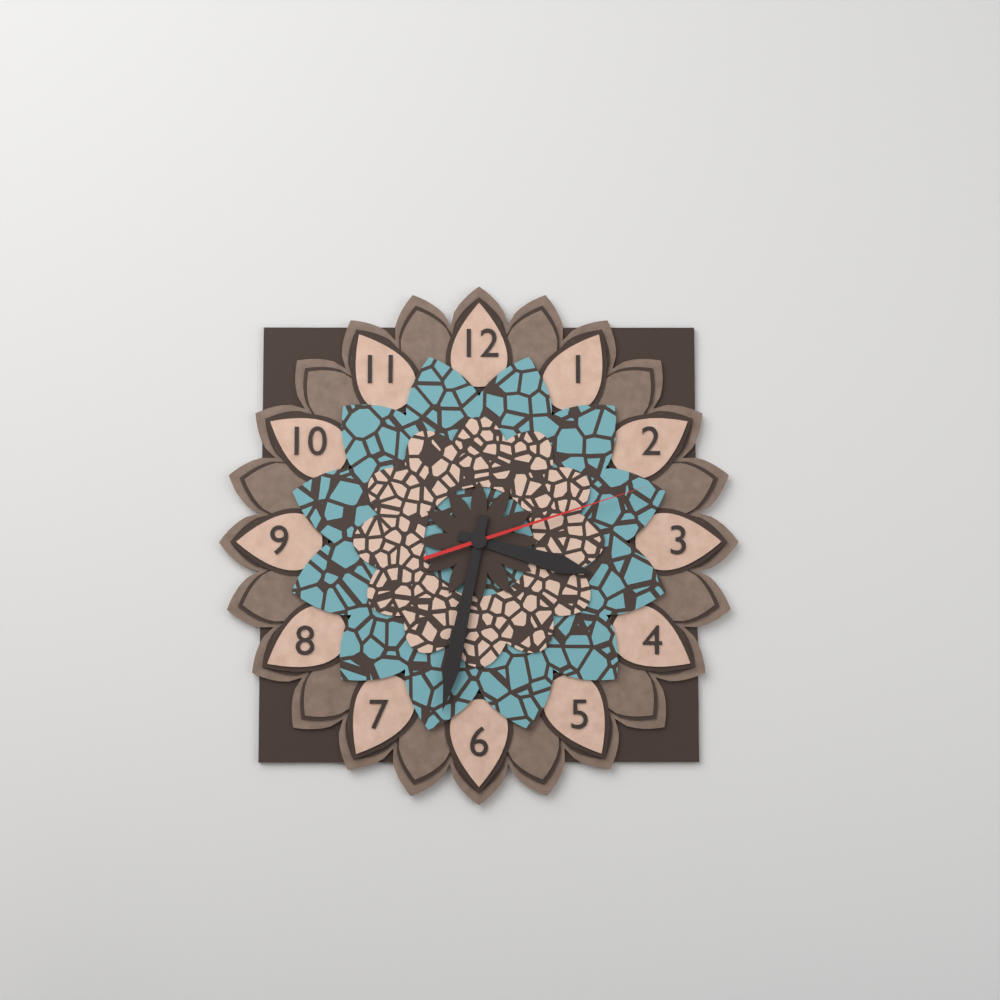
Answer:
3,32,12
